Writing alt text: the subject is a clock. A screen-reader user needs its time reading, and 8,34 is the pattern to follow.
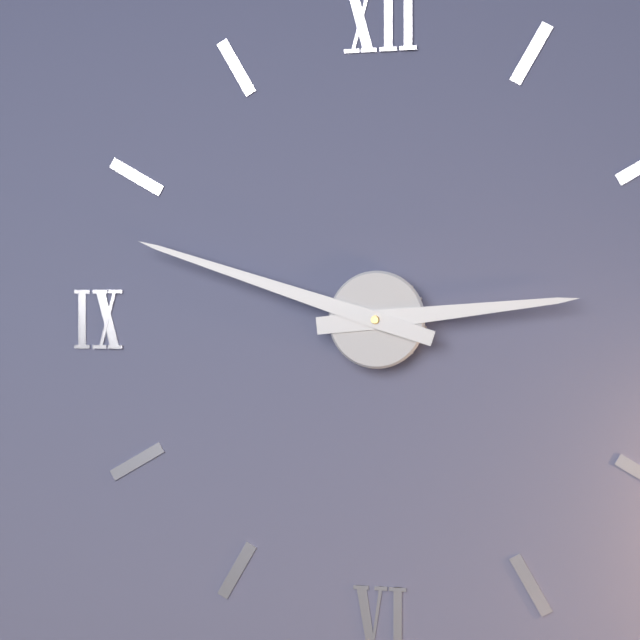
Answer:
2,48
